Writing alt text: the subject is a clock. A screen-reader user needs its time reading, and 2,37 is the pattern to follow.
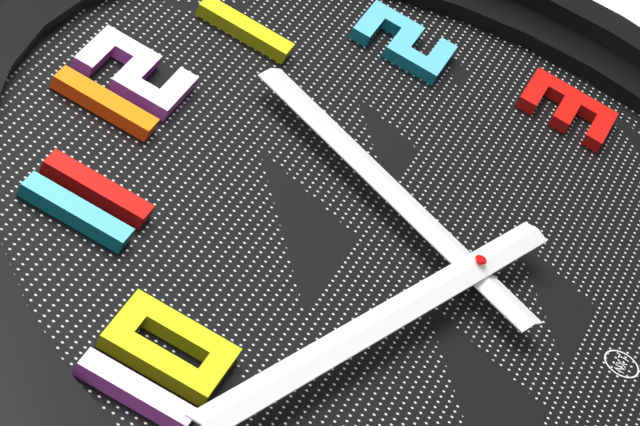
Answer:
12,48
